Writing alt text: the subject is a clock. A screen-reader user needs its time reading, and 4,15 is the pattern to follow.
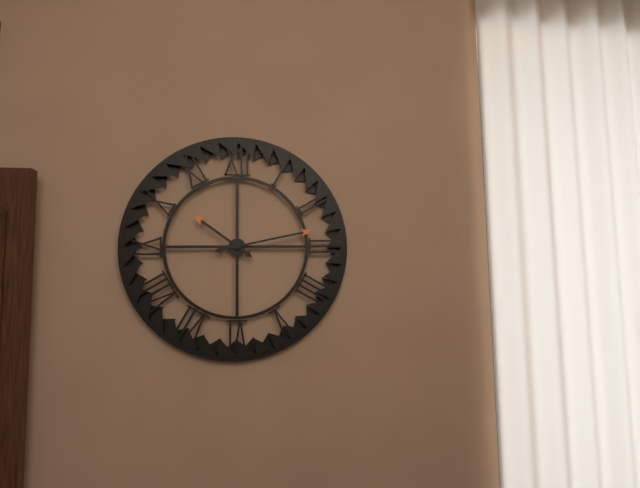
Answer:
10,13
